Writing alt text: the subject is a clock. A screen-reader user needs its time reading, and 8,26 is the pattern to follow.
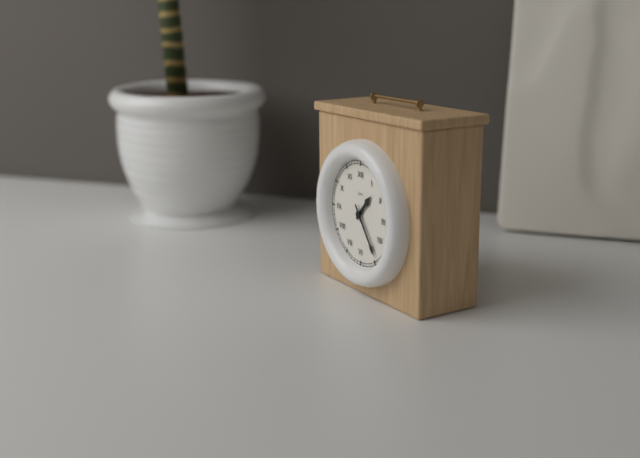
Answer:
1,24
